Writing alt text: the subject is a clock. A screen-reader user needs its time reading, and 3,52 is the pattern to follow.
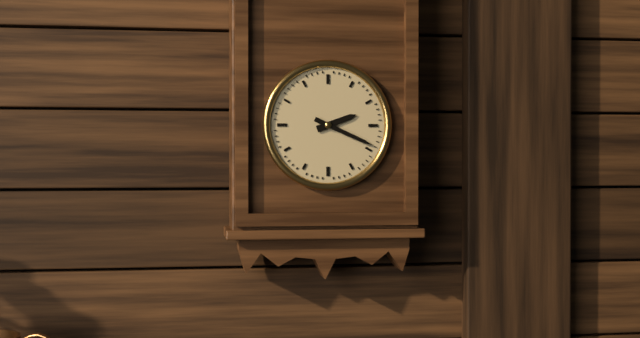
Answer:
2,19
